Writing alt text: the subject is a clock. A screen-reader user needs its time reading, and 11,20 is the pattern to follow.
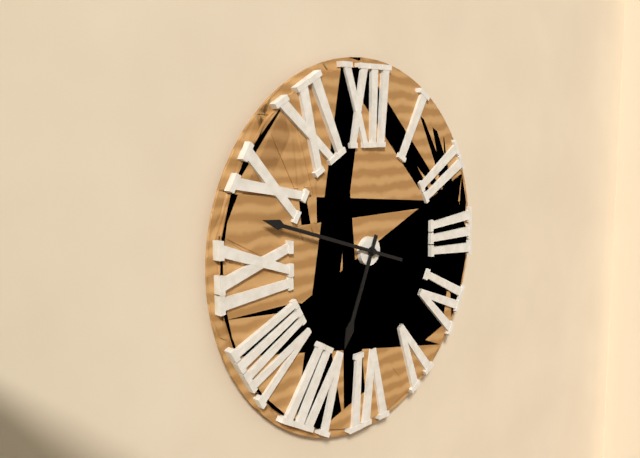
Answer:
6,48
